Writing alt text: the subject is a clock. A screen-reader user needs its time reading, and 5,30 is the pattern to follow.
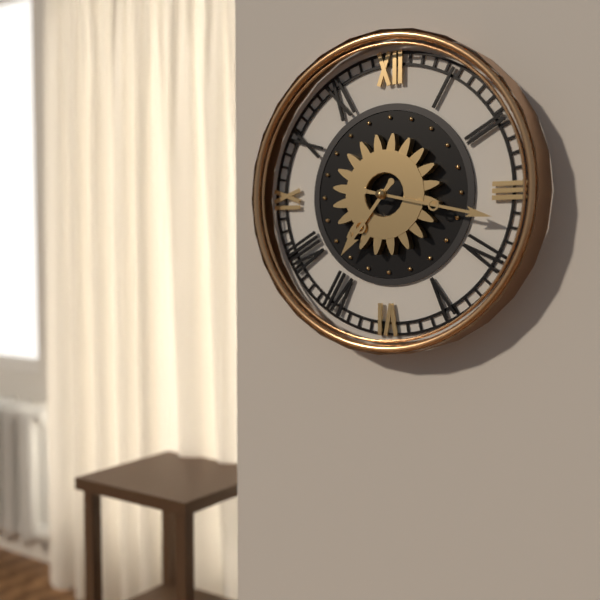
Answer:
7,17
